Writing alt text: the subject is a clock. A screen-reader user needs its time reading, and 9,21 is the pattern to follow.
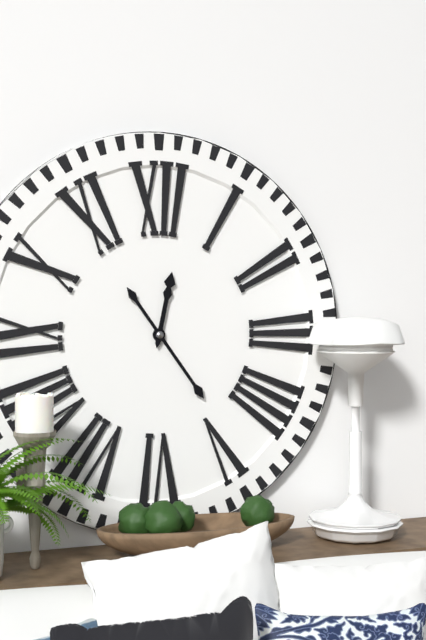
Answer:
12,24
